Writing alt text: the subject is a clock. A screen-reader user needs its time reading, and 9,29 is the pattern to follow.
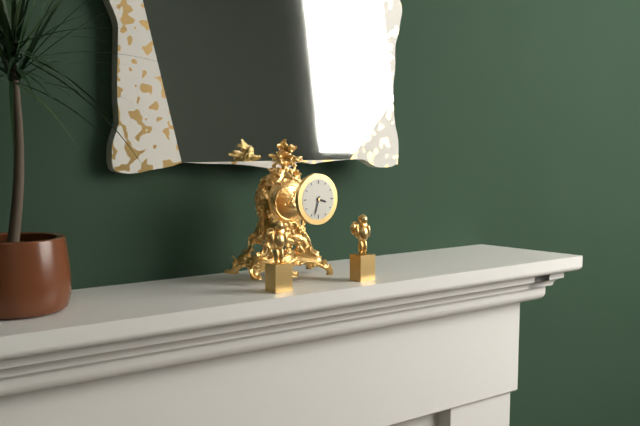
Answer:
3,33
